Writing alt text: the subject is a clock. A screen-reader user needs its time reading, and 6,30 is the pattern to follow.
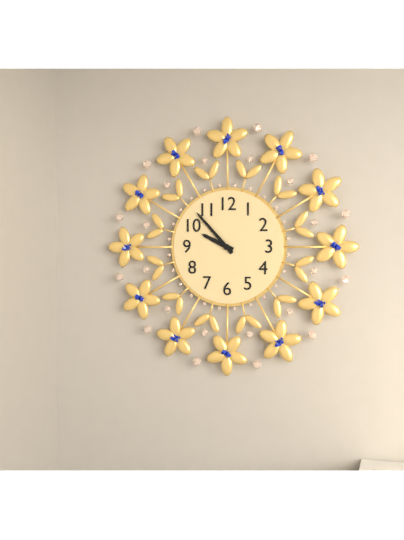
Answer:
9,53
